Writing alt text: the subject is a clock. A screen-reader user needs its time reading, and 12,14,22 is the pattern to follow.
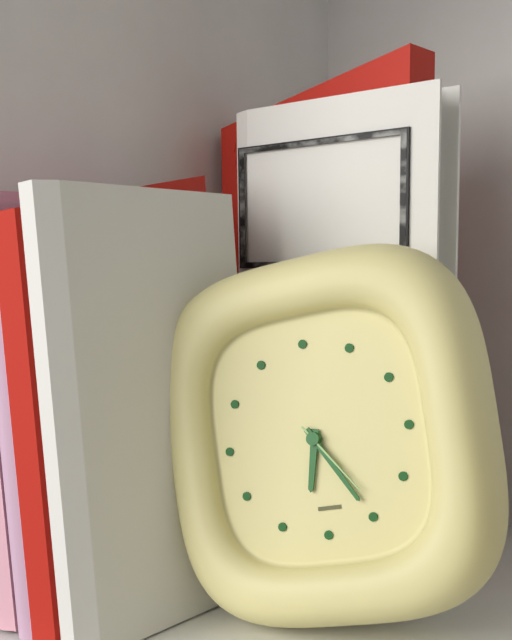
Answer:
6,25,24
